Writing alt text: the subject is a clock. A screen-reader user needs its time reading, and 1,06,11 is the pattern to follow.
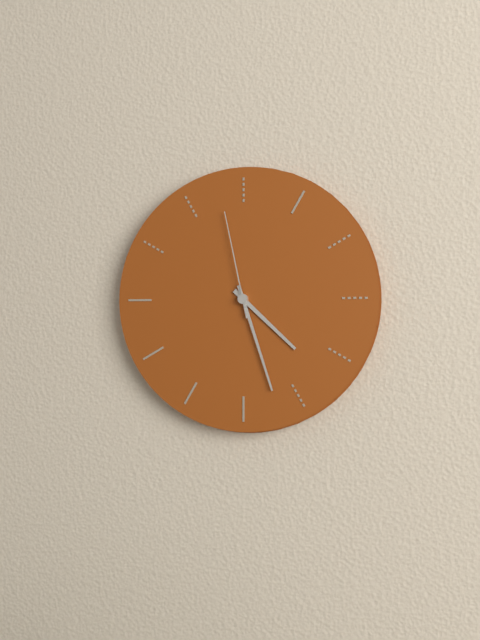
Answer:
4,27,58
